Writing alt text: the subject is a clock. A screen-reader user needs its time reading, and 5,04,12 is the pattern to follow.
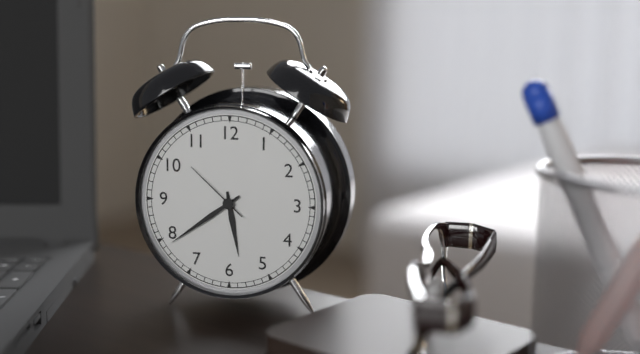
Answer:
5,39,52
